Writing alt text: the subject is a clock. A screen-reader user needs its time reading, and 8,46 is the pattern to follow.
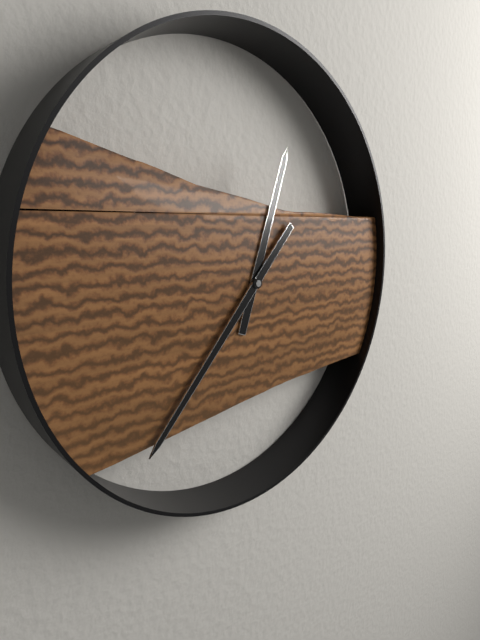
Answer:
12,37
